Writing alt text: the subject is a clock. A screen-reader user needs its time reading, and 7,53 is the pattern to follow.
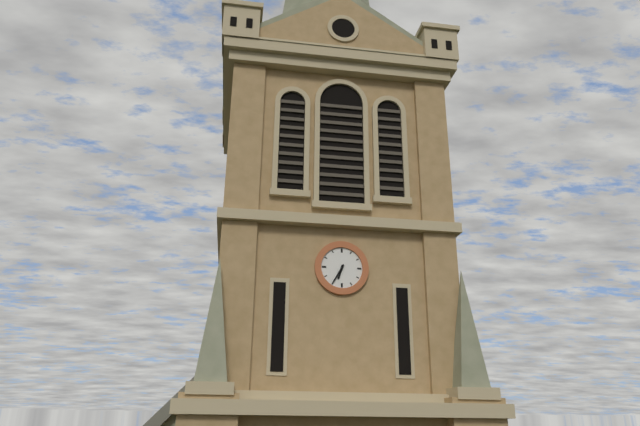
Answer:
6,35
